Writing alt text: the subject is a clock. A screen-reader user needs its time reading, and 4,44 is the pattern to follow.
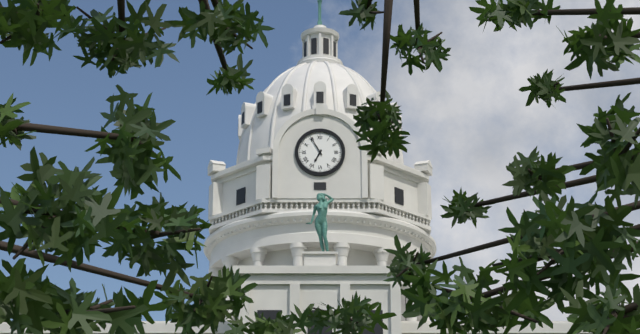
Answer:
6,55
